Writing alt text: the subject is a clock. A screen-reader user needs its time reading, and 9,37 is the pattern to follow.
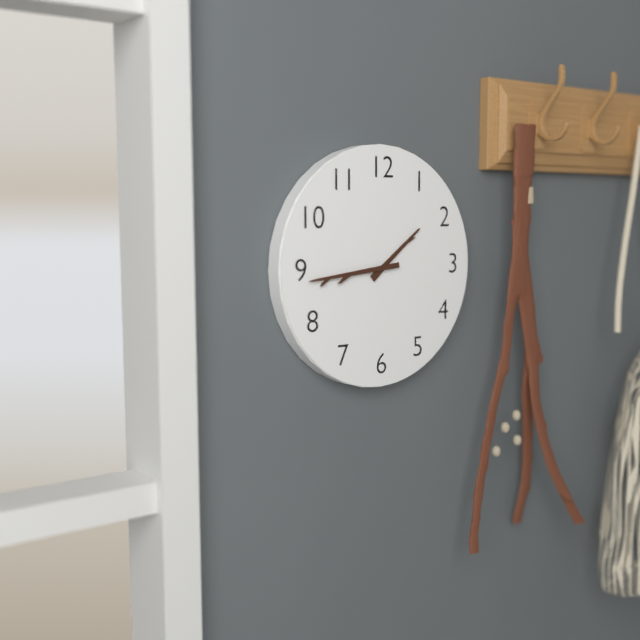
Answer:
1,44
